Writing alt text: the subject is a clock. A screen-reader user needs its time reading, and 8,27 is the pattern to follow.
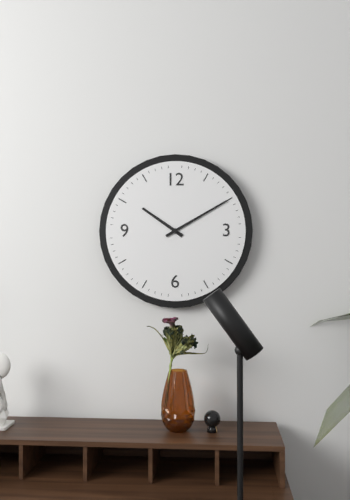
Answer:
10,10
